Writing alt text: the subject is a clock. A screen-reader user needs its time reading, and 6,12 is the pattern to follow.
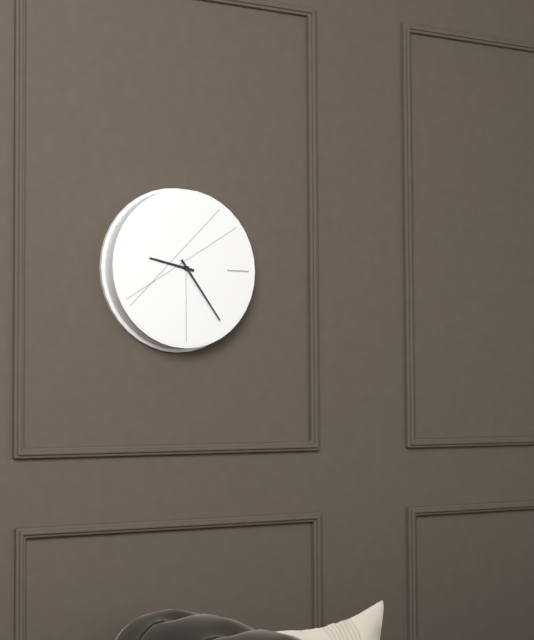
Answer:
9,24
